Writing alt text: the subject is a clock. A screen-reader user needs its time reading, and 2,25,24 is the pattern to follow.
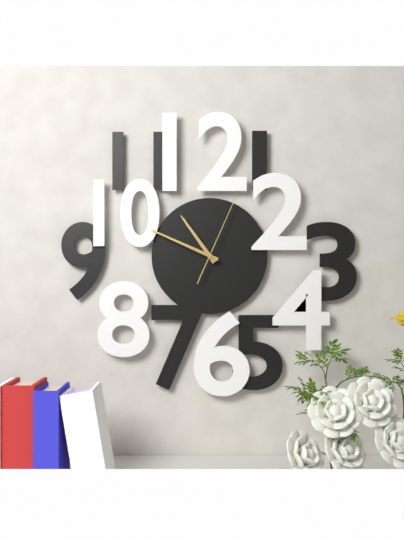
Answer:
10,49,04
